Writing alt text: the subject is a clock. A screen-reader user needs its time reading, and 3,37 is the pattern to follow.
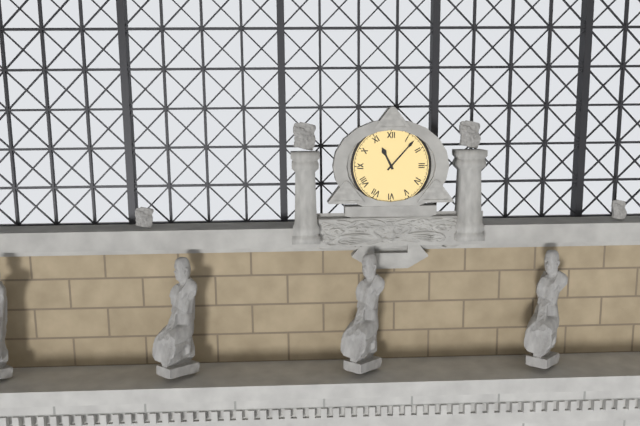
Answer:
11,07
